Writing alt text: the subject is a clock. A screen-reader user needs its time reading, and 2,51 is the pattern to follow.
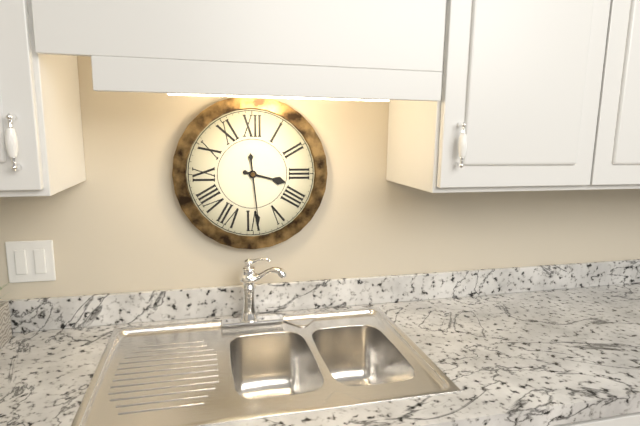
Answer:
3,29
